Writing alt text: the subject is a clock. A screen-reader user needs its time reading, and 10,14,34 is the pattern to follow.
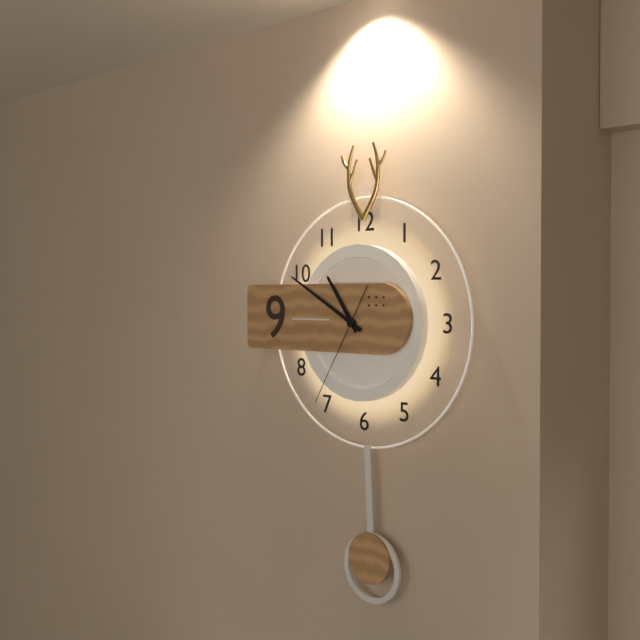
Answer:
10,50,35
